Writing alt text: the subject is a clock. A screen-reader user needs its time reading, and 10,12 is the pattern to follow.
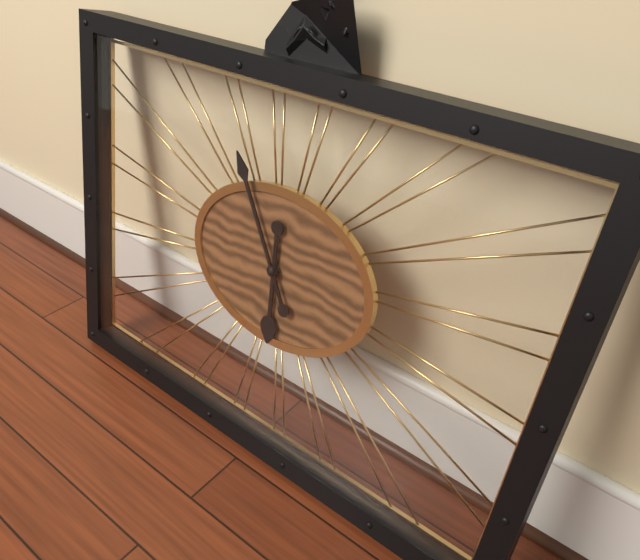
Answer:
5,55
